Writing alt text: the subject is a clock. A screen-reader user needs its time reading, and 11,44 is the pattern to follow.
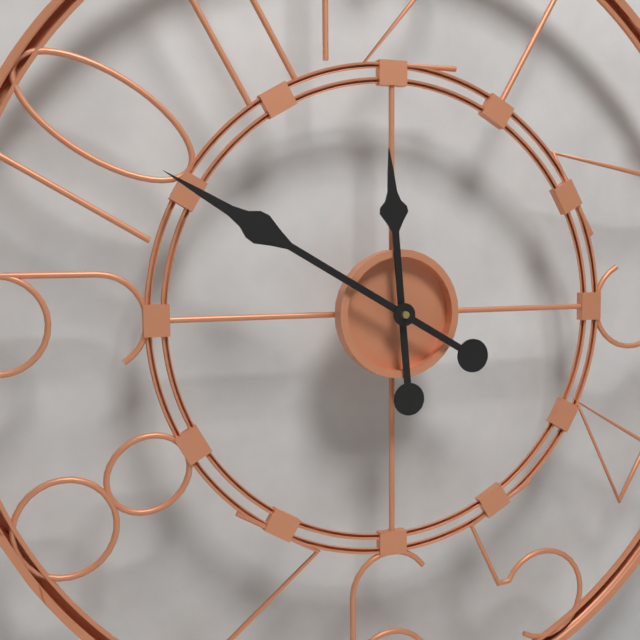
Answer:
11,50
